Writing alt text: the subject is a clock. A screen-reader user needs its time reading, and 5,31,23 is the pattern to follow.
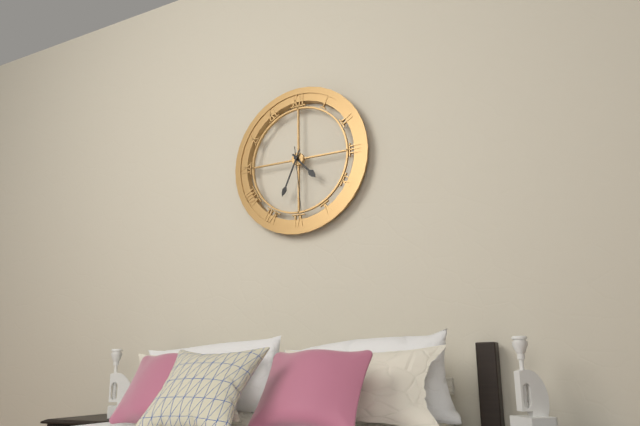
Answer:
4,34,29
